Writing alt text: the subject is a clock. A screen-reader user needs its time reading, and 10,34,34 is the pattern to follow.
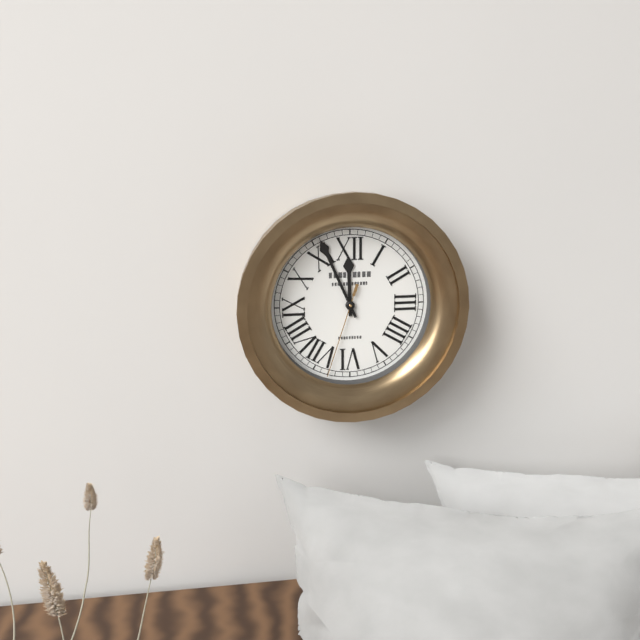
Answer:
11,56,33
